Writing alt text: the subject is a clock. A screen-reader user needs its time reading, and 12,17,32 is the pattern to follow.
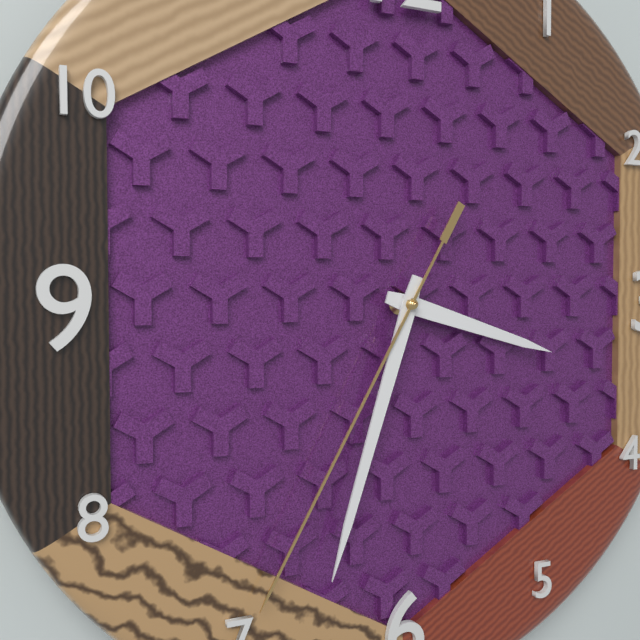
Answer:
3,33,35
